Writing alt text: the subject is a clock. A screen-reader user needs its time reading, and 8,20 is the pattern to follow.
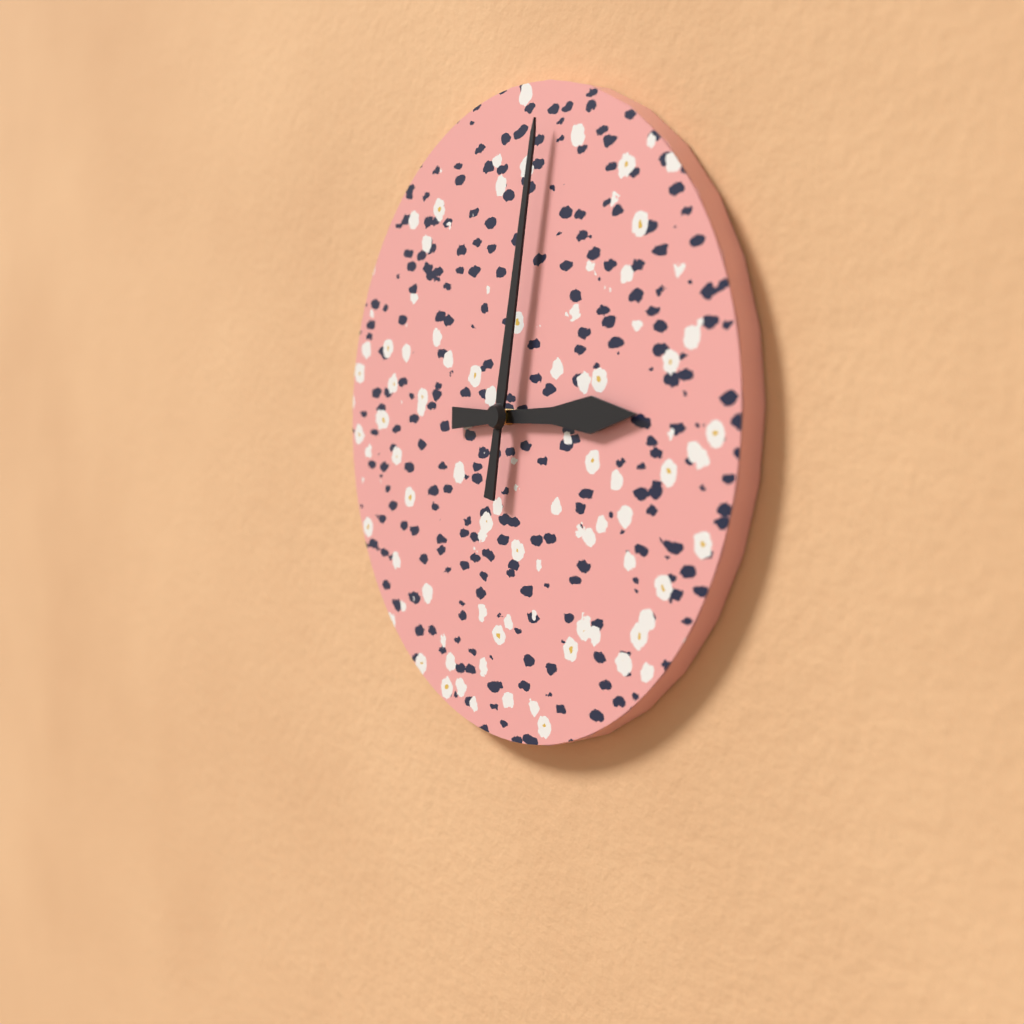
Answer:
3,02
